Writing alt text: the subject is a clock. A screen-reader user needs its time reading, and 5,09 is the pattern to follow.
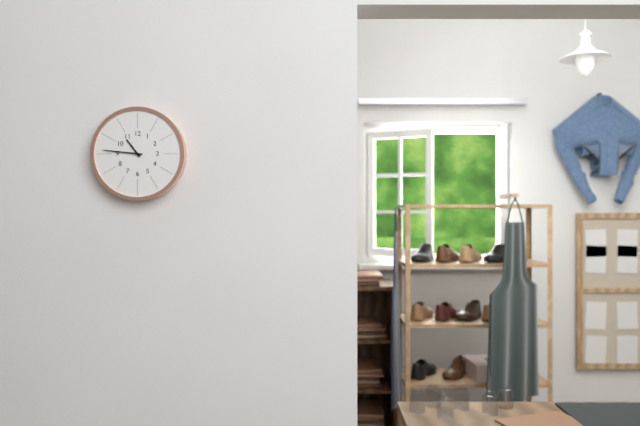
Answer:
10,46
